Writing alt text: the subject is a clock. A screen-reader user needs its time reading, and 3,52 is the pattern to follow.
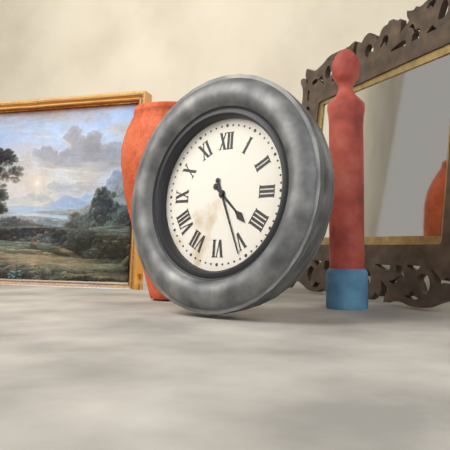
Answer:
4,26
